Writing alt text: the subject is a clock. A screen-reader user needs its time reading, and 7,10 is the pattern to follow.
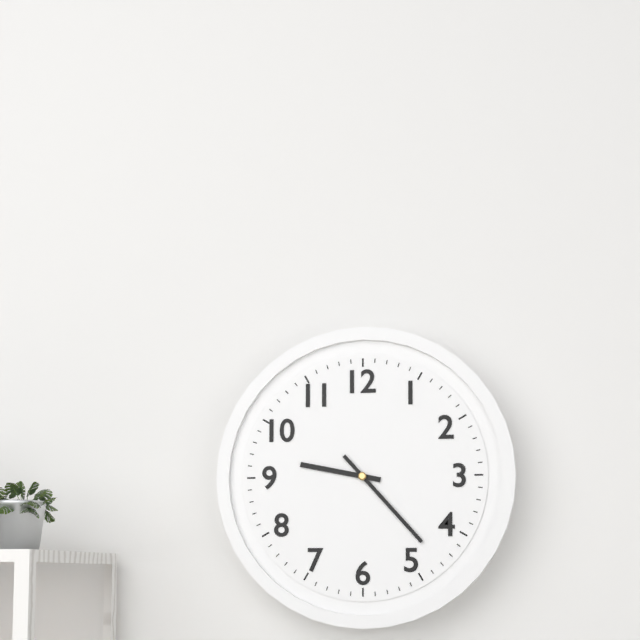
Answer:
9,23
